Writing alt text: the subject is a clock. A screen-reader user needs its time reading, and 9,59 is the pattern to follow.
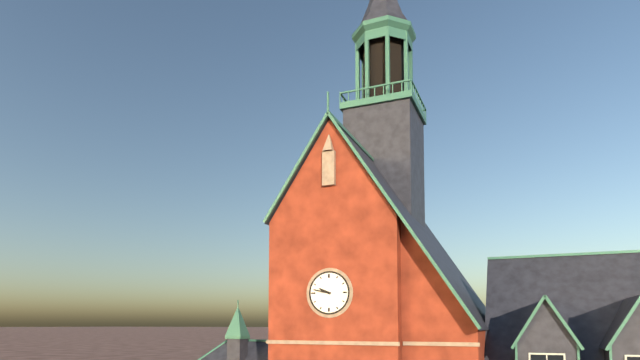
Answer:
9,47
